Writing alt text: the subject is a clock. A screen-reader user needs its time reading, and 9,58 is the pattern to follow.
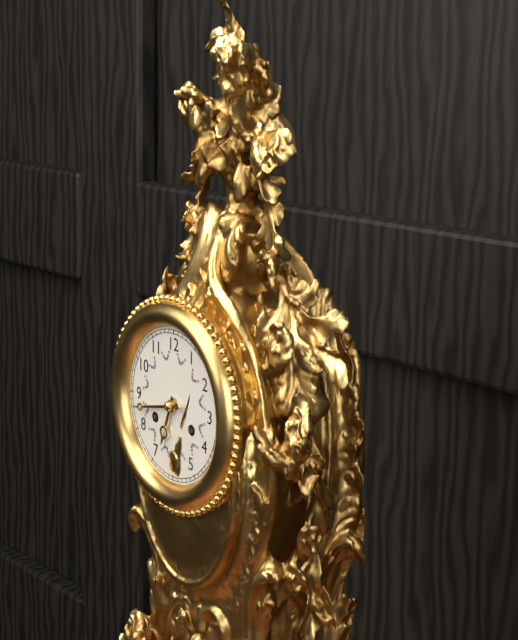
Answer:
6,43
